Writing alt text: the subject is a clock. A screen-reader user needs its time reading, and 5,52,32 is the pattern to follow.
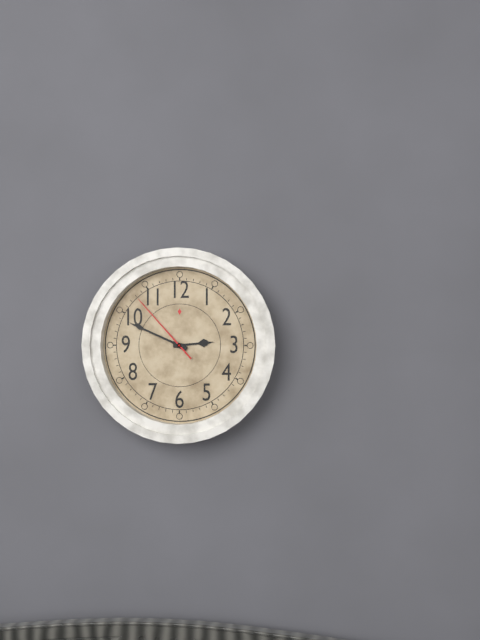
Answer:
2,49,53
